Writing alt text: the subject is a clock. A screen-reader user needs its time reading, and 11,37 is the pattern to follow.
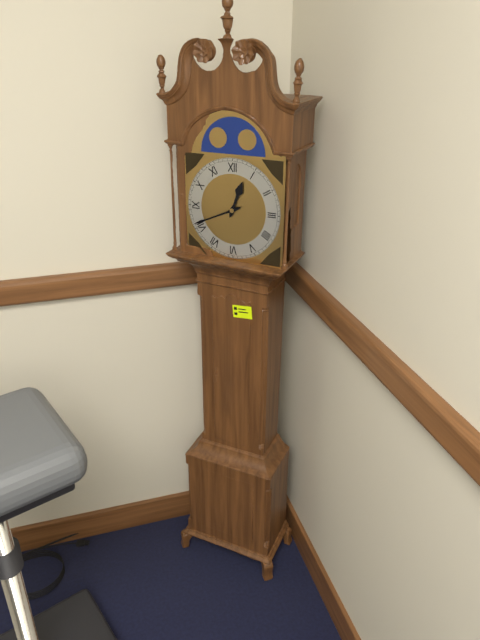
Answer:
12,41
